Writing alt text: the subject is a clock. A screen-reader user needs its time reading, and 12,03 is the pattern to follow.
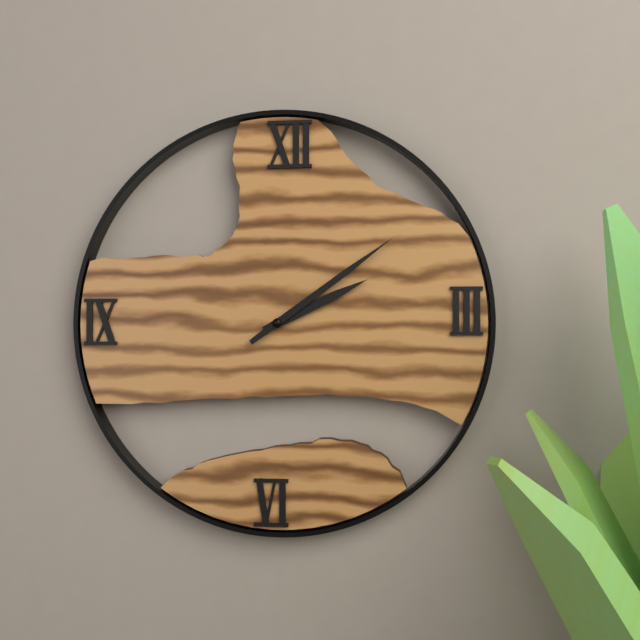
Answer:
2,09
